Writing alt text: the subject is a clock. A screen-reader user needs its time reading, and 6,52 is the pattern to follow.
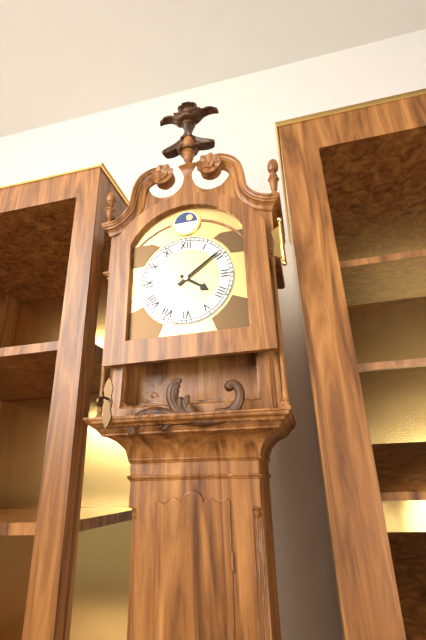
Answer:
4,09
